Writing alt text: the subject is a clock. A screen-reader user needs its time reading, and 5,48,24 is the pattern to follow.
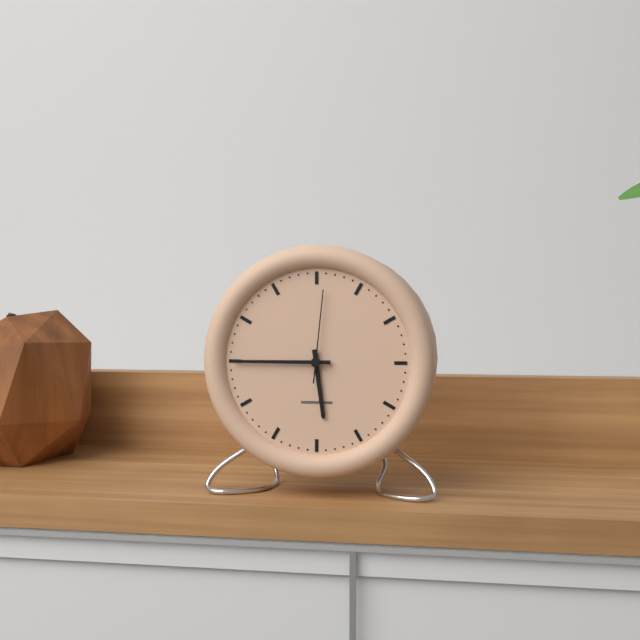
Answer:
5,45,01
